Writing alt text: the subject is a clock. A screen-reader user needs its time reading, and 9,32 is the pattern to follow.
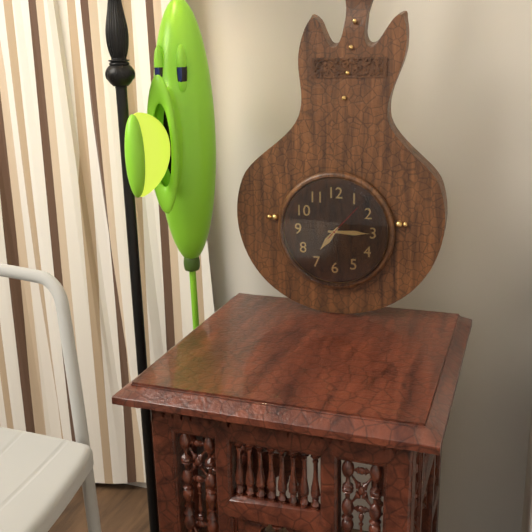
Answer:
7,15
